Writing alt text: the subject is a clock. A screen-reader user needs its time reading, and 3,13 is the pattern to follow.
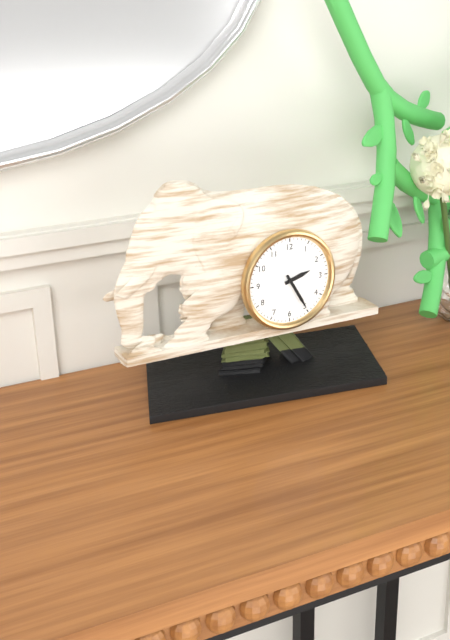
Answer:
2,25
